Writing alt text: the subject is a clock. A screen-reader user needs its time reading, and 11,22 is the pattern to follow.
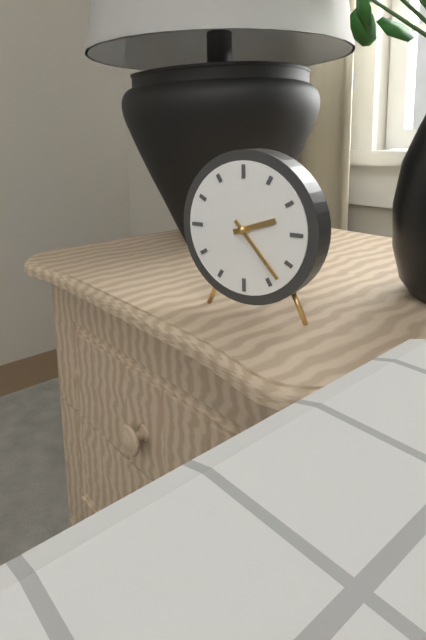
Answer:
2,23
